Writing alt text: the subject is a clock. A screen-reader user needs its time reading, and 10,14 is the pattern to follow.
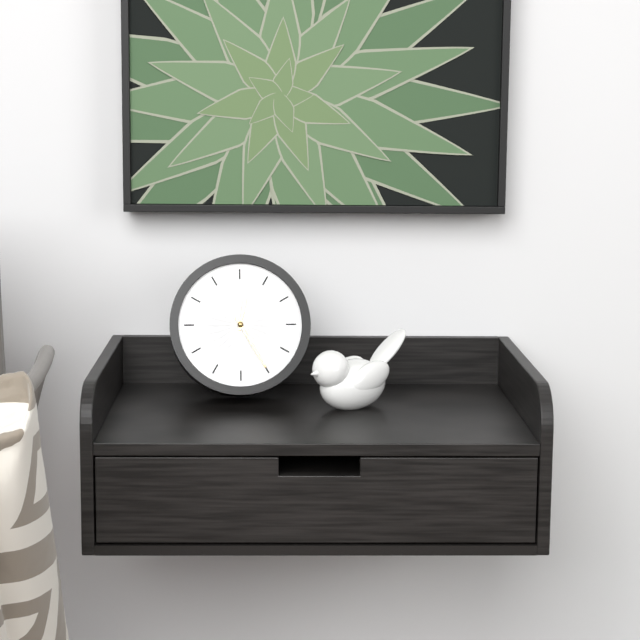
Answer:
12,25
